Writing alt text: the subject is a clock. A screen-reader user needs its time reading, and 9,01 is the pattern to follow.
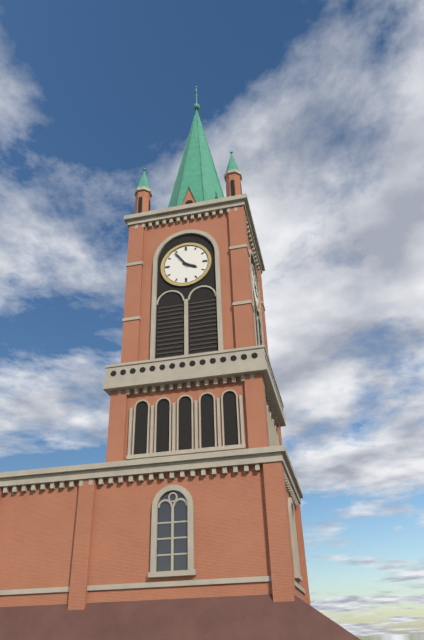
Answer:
3,54
